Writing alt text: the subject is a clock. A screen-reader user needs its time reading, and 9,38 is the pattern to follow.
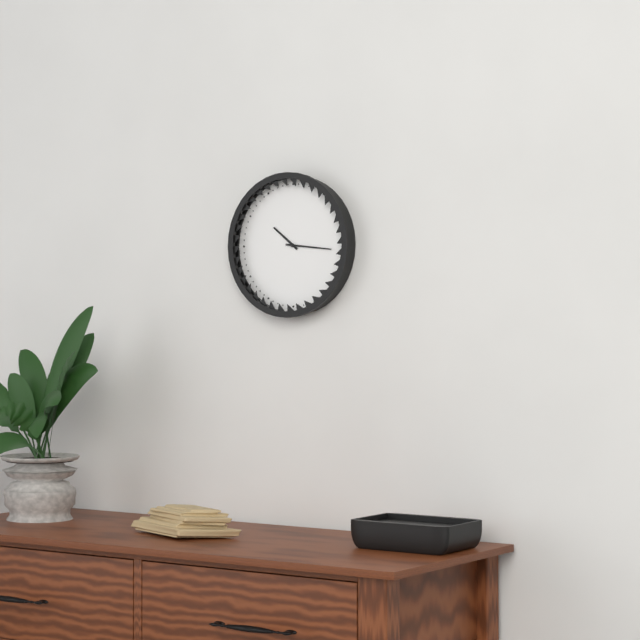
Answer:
10,16
